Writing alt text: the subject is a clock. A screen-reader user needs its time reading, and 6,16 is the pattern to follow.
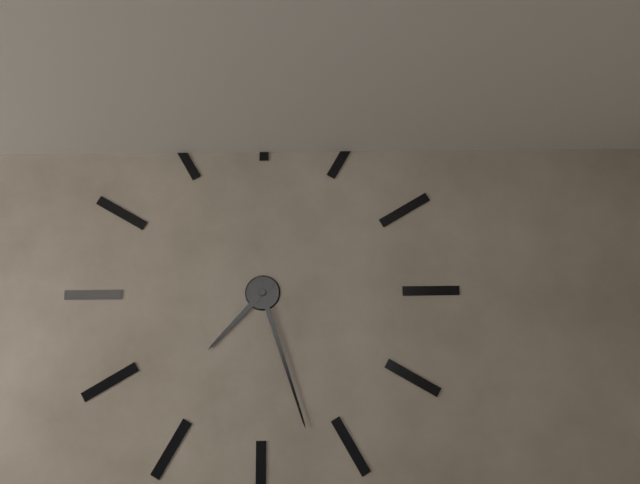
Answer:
7,27
